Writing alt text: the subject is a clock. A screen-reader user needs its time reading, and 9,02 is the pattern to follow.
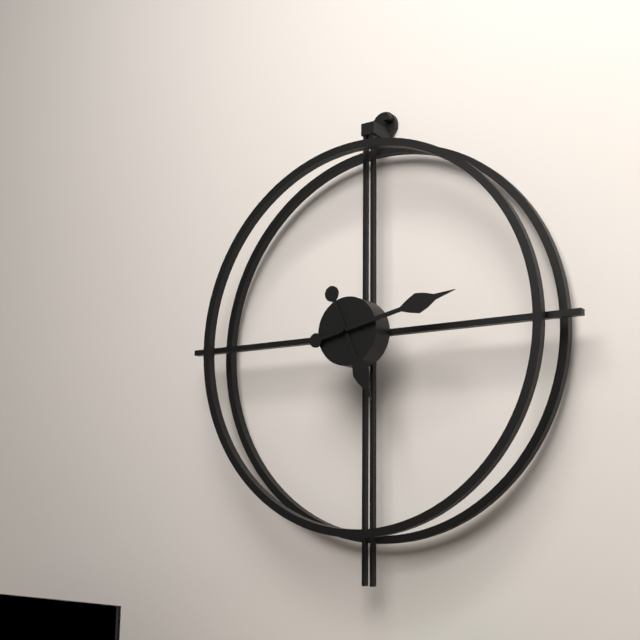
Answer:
5,13
